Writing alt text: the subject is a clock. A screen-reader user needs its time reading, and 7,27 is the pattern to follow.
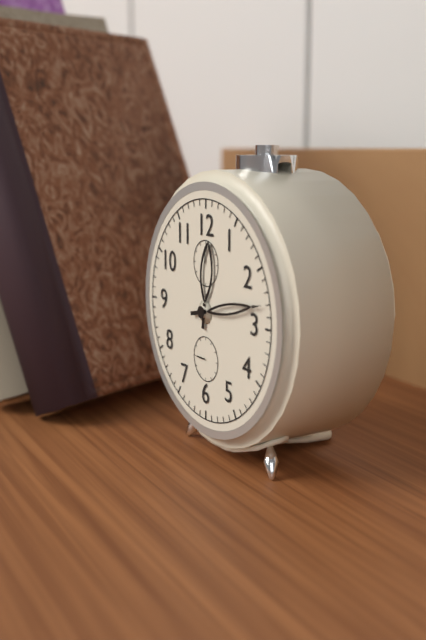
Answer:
12,13
